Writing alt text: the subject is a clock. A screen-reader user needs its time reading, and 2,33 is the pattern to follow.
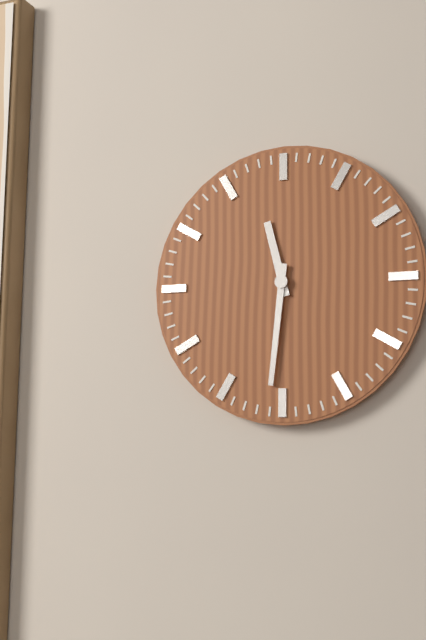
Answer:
11,31
